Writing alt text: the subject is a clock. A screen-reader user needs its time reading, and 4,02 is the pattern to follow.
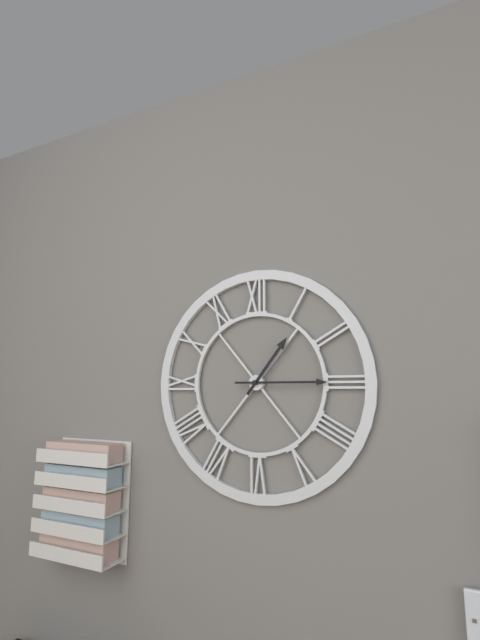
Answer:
1,15
